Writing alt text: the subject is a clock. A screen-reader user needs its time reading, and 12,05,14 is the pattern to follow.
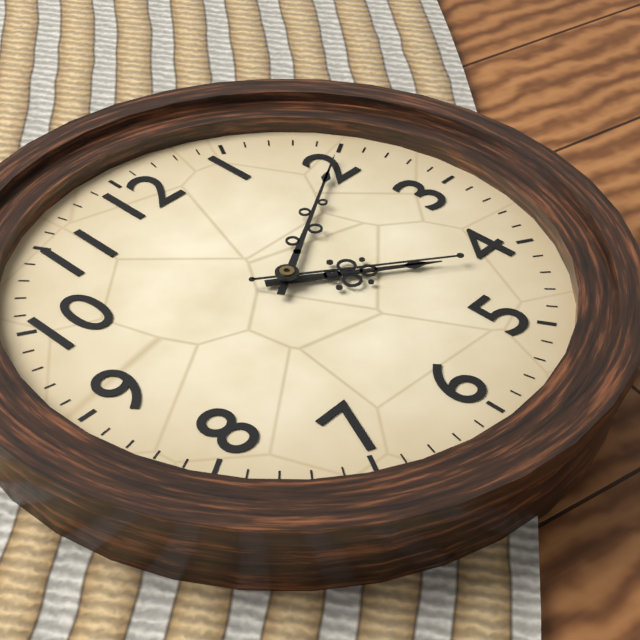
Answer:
4,10,21
